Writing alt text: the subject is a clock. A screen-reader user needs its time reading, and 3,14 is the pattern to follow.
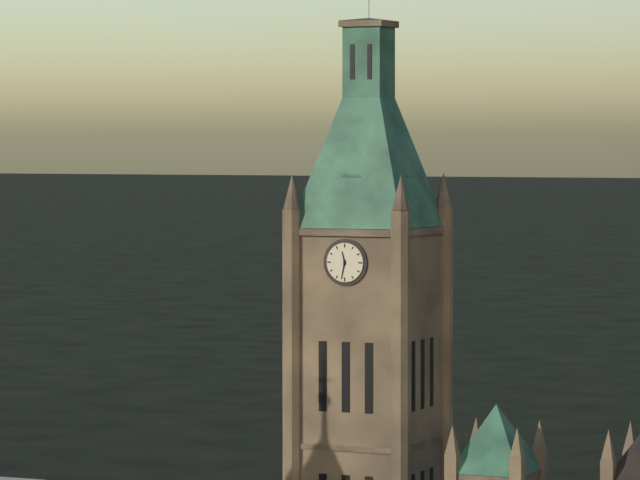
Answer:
11,32
